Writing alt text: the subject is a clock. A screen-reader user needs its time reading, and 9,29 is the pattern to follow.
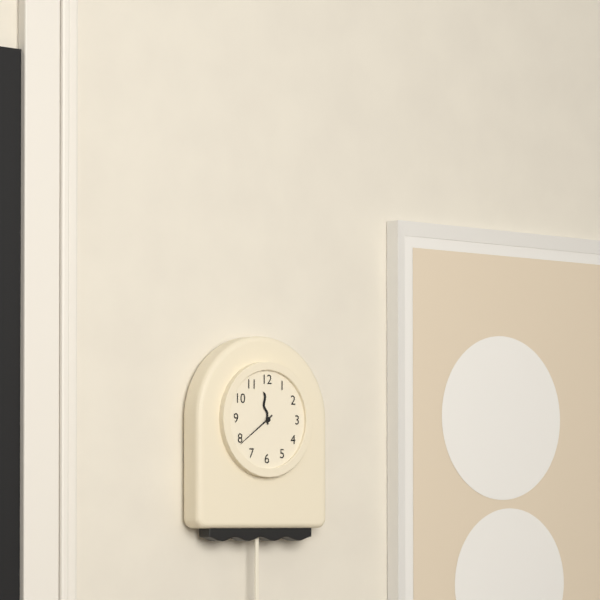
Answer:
11,39
